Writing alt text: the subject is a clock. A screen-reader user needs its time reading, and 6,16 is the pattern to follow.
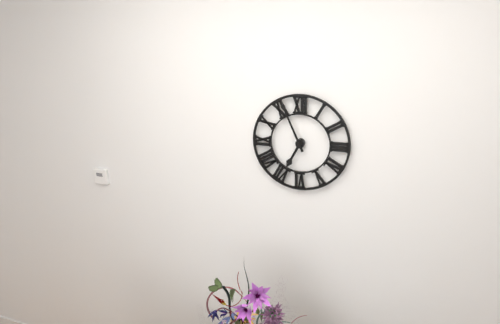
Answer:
6,56
